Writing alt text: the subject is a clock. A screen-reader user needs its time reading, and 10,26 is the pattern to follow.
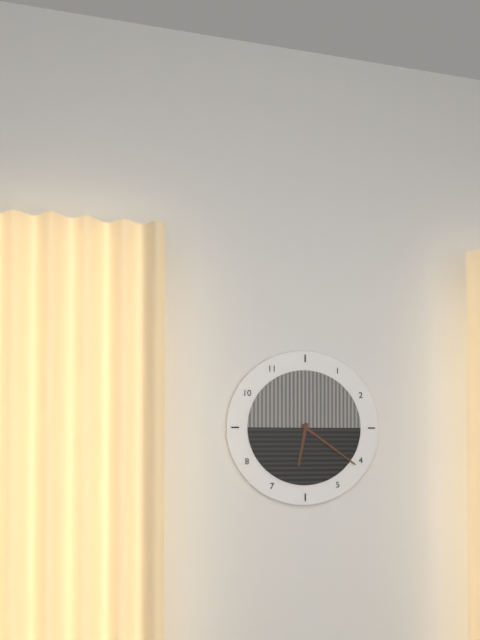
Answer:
6,21
